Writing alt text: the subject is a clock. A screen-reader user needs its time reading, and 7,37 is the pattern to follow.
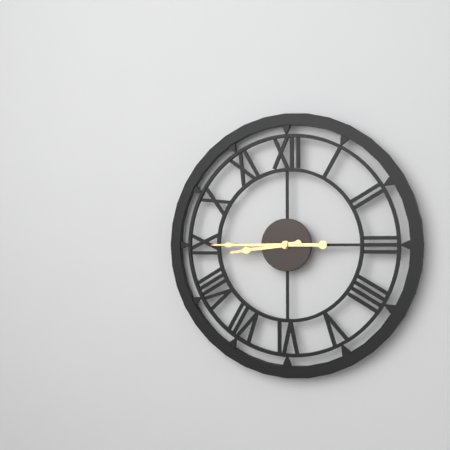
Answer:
8,45
